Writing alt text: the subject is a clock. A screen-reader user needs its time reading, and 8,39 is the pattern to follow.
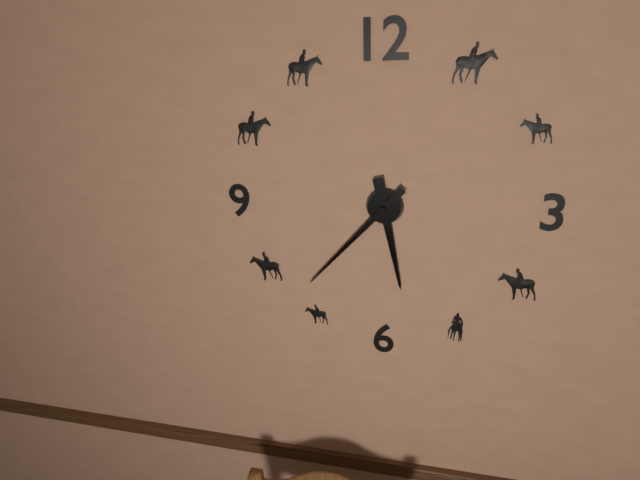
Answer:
5,37
